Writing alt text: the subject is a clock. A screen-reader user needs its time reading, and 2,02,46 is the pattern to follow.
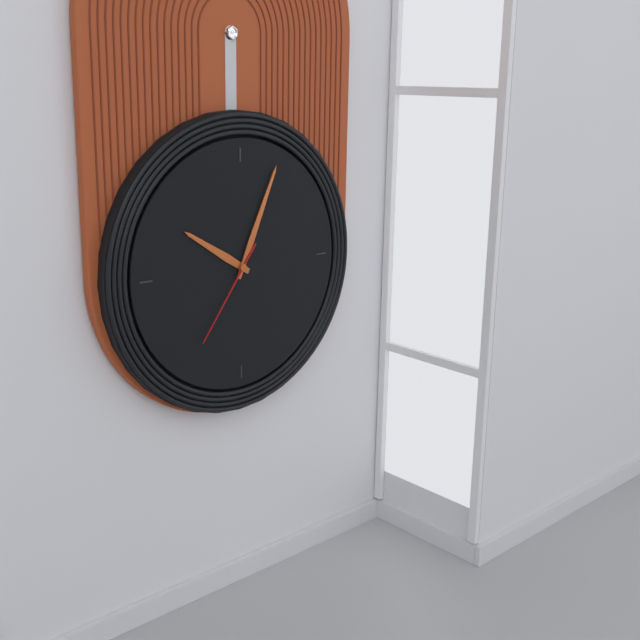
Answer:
10,04,36
